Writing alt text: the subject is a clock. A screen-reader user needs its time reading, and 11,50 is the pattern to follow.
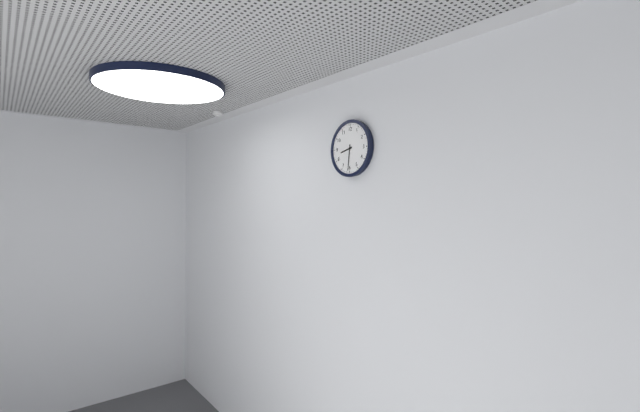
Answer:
8,31
